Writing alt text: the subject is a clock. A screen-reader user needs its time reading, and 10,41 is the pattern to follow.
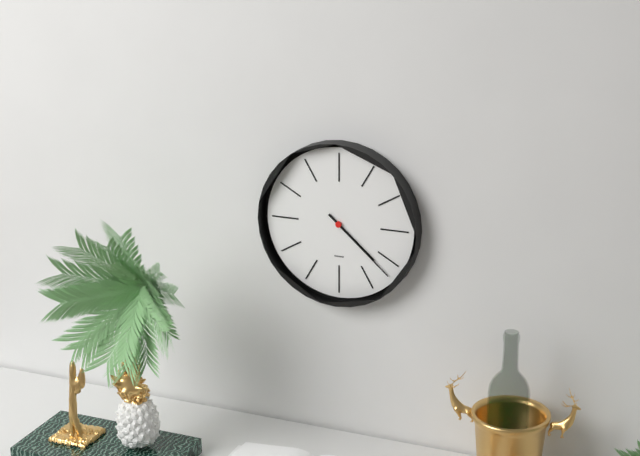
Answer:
4,22
